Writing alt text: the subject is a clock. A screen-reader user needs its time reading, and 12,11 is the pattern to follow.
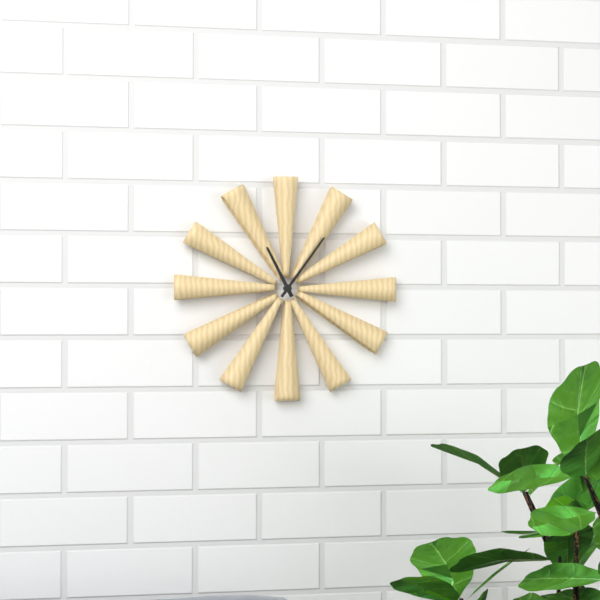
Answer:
11,06
